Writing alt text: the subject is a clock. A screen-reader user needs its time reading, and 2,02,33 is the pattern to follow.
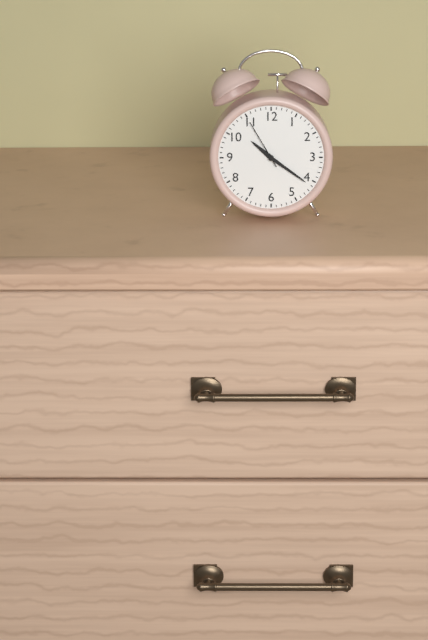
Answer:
10,21,55
